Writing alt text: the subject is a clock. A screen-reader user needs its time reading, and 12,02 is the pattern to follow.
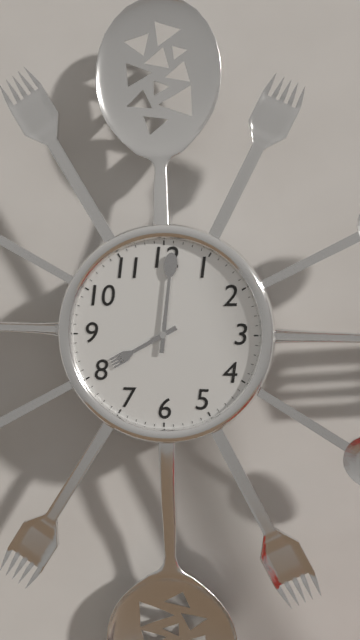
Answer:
8,01
